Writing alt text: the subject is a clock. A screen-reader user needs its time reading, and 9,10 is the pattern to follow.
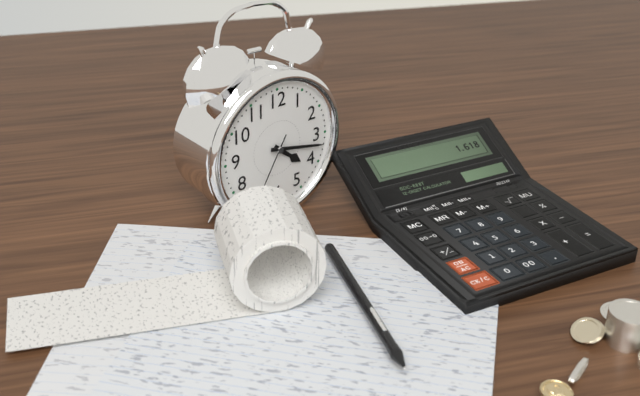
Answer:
4,17
